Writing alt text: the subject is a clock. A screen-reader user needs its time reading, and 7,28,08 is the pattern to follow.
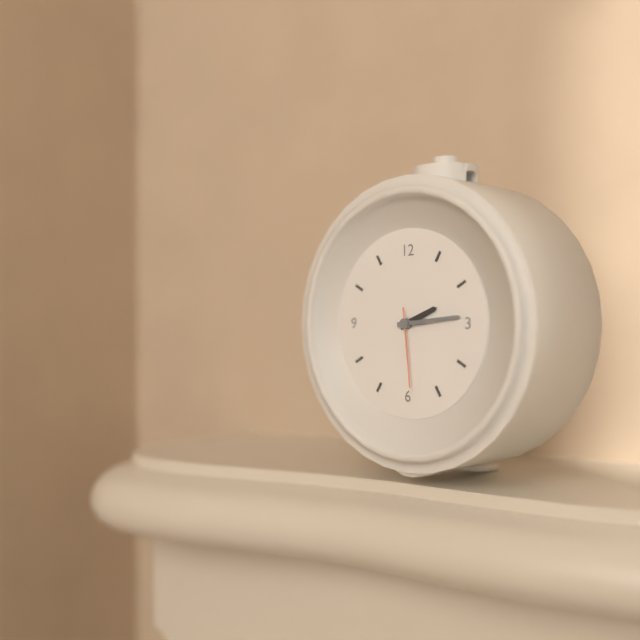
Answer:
2,14,29
